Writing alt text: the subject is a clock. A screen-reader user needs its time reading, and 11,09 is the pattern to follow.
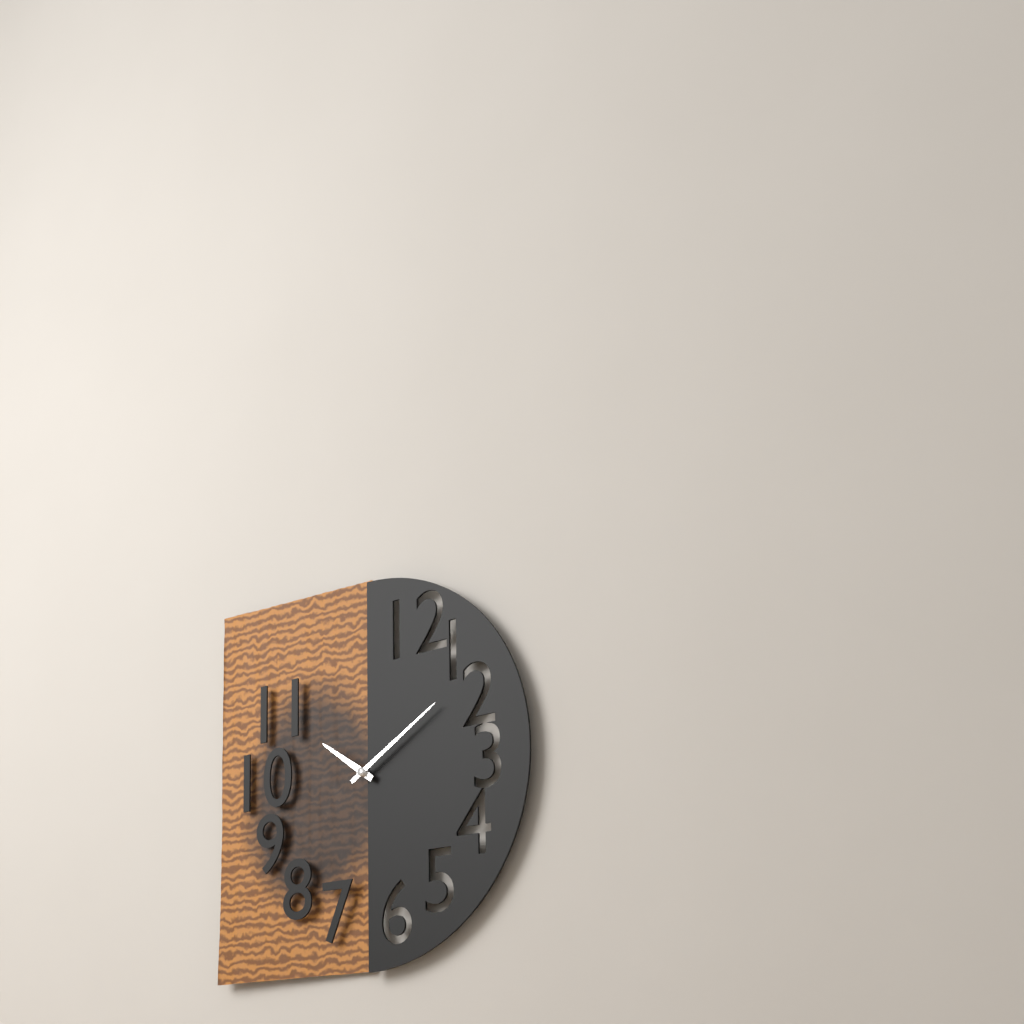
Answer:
10,10
